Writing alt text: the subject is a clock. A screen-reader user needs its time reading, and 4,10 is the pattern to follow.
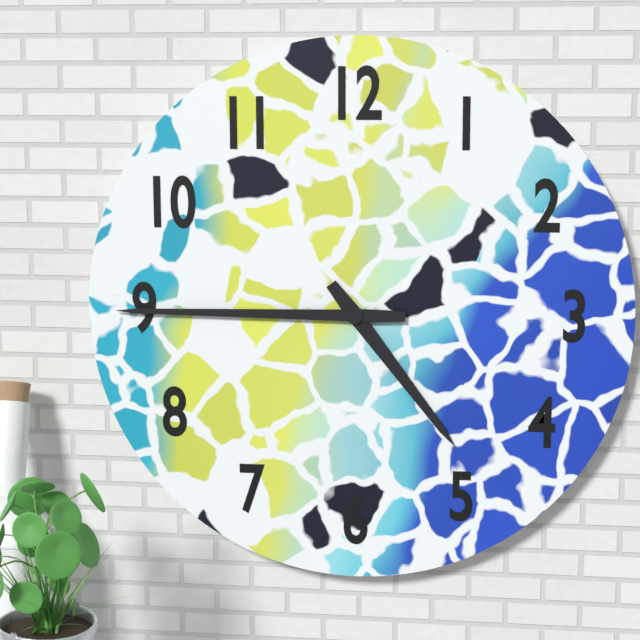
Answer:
4,45
